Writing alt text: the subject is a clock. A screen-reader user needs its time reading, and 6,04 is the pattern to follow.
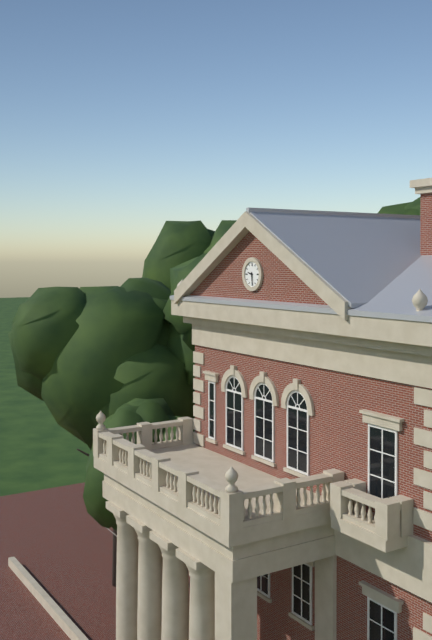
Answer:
9,29
